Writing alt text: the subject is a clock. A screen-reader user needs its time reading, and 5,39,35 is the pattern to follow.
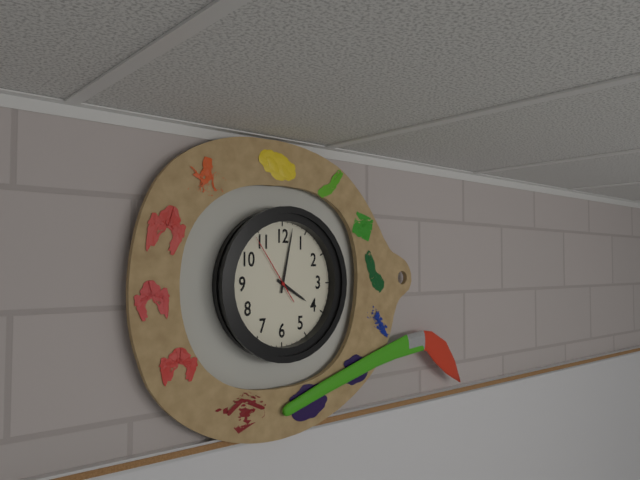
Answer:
4,02,54
